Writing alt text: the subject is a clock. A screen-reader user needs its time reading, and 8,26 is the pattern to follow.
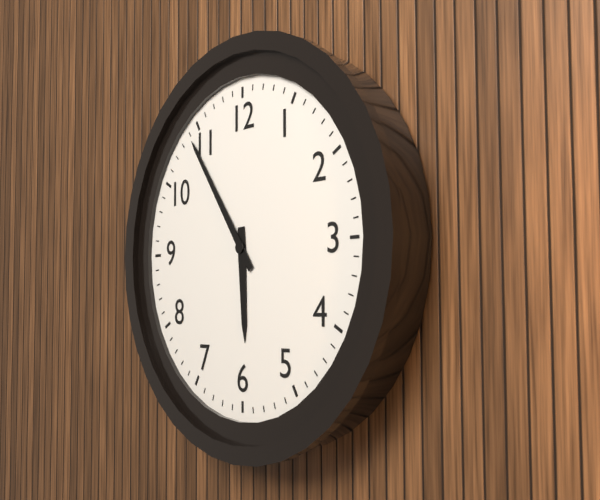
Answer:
5,54
